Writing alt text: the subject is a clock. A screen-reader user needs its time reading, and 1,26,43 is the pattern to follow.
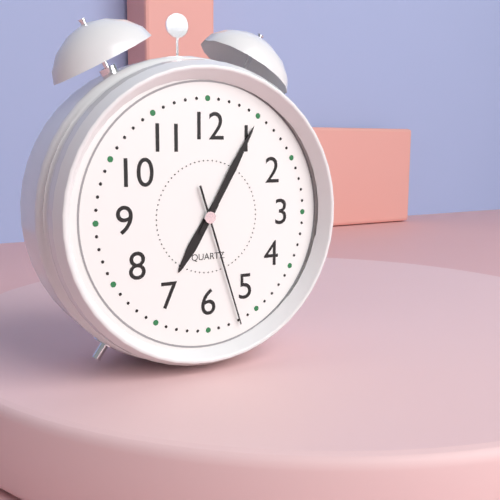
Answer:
7,05,27
